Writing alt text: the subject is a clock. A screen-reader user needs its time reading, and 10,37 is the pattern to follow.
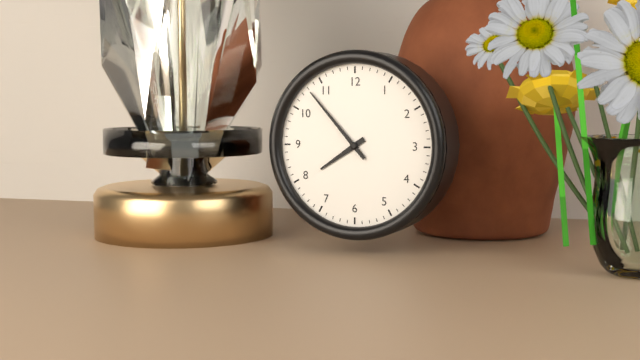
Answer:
7,53
